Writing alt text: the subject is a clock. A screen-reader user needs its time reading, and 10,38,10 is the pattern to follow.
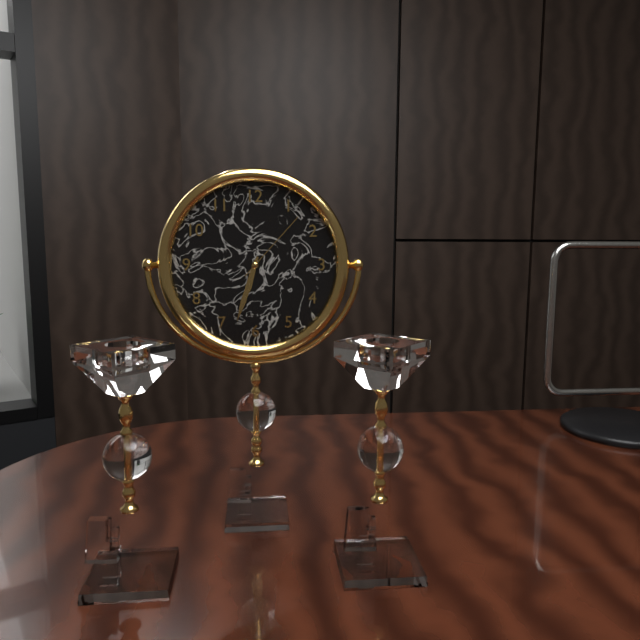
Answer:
6,33,07
